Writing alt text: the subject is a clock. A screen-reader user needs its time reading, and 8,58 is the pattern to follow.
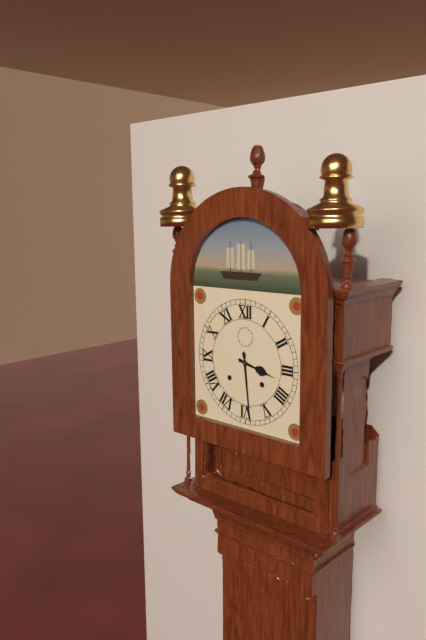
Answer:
3,29
